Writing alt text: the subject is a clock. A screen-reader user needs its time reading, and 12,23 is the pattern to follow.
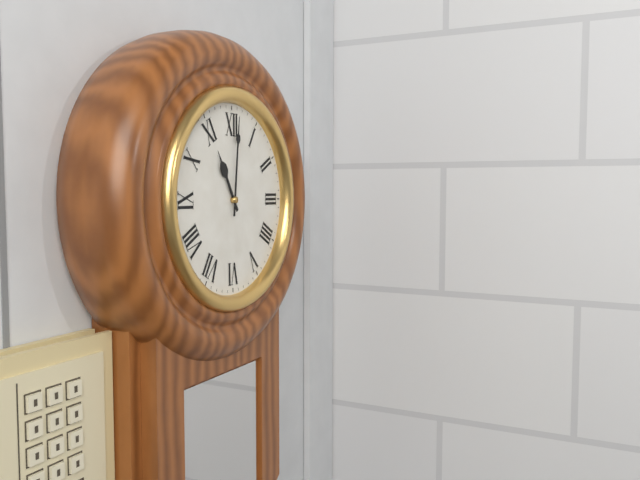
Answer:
11,01
